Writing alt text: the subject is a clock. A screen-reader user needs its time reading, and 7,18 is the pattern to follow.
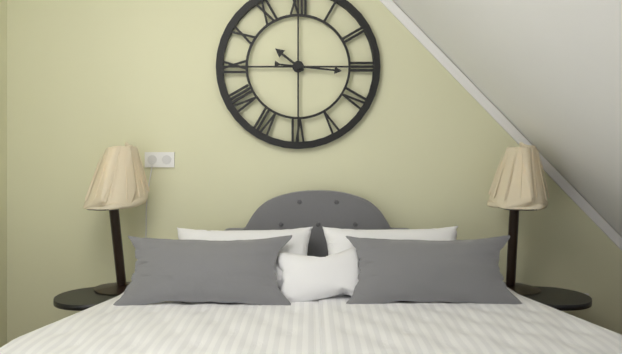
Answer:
10,16
